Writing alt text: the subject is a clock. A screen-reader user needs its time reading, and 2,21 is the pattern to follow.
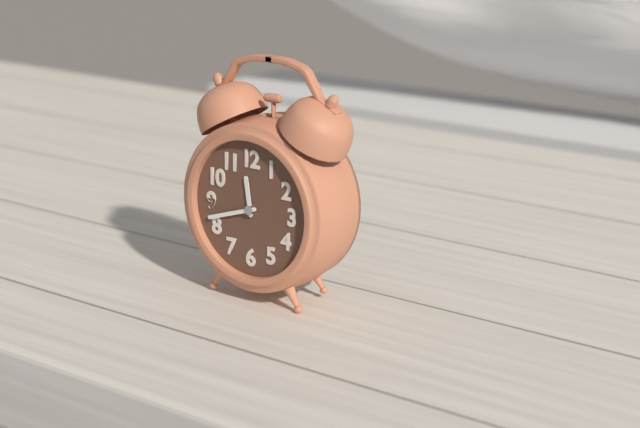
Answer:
11,42
